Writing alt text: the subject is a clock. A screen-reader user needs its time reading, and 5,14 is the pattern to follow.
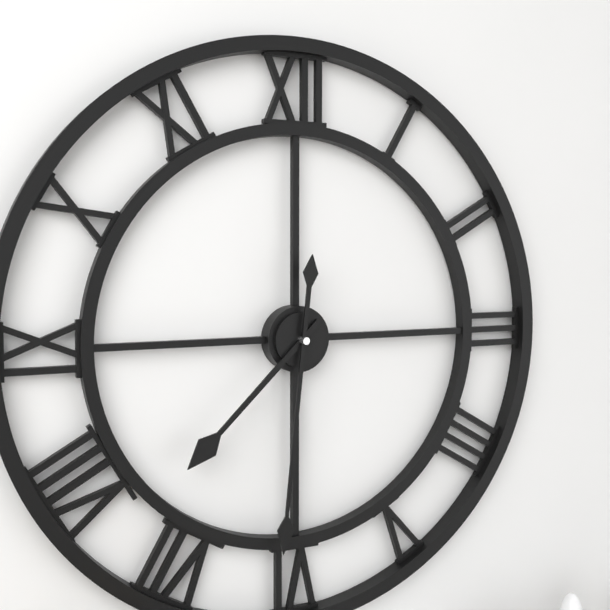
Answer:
7,31
